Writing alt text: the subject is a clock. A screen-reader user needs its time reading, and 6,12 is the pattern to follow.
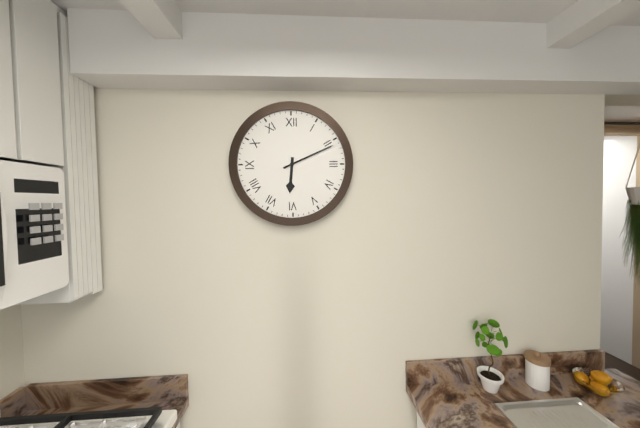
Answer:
6,11
